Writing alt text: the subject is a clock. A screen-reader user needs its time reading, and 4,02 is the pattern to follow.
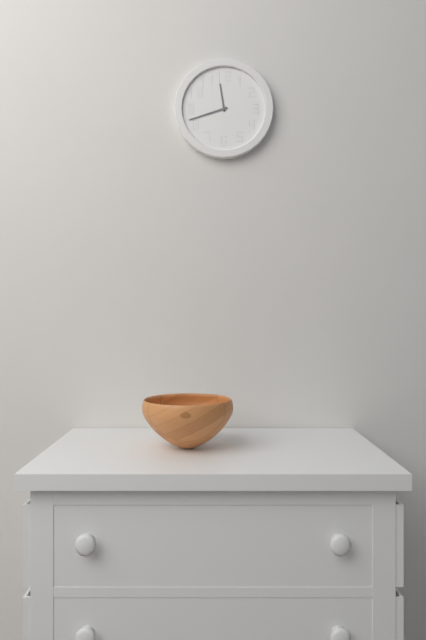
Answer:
11,42
